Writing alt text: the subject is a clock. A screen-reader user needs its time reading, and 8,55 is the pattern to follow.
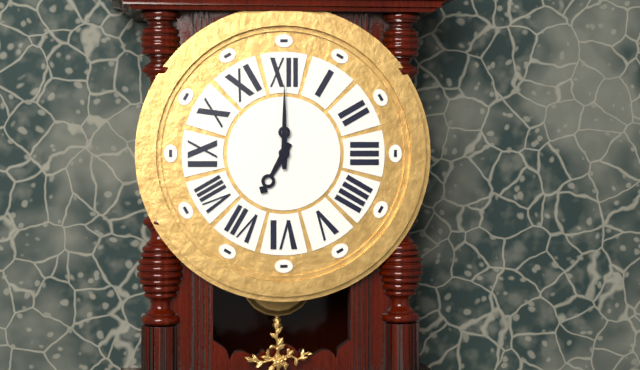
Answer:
7,00
